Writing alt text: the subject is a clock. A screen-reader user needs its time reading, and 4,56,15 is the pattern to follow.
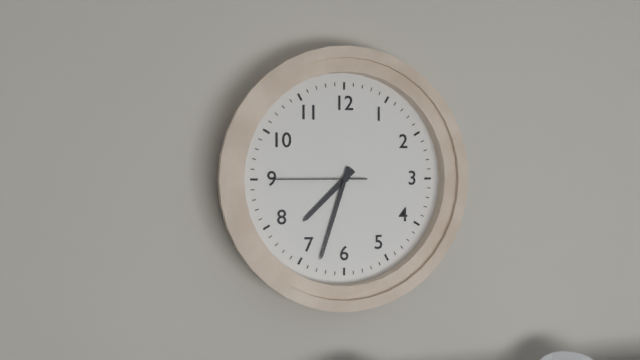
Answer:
7,33,45
